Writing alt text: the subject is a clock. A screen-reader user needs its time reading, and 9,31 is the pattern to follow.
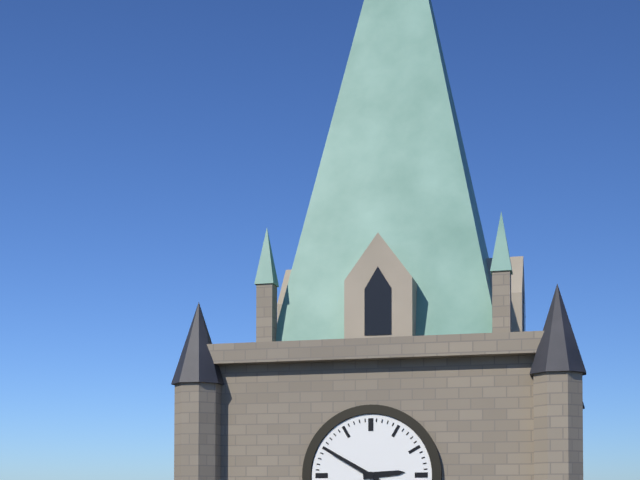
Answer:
2,50
